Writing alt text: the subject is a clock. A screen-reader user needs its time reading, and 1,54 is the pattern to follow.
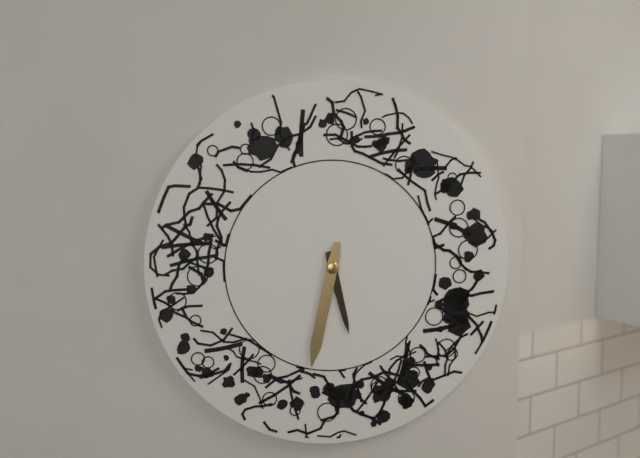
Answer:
5,32
